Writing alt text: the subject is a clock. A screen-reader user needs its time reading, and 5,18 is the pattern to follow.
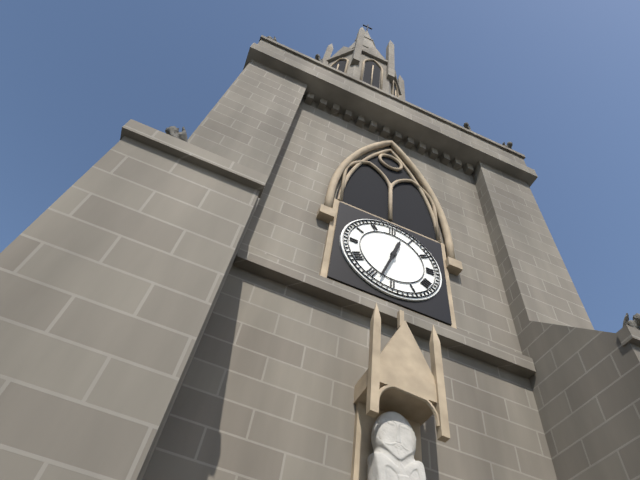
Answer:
12,33
